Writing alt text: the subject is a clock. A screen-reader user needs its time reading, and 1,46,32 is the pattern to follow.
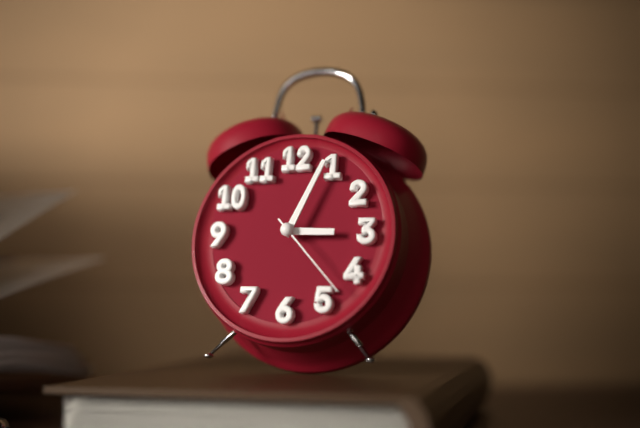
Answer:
3,04,23
